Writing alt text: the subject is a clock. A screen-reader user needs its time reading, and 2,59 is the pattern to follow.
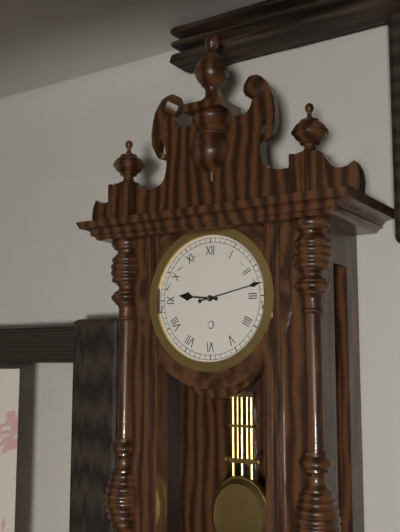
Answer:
9,13
